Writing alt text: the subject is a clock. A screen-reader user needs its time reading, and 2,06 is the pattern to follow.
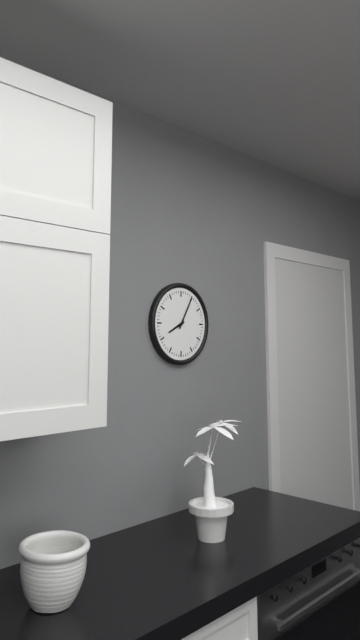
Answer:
8,05
